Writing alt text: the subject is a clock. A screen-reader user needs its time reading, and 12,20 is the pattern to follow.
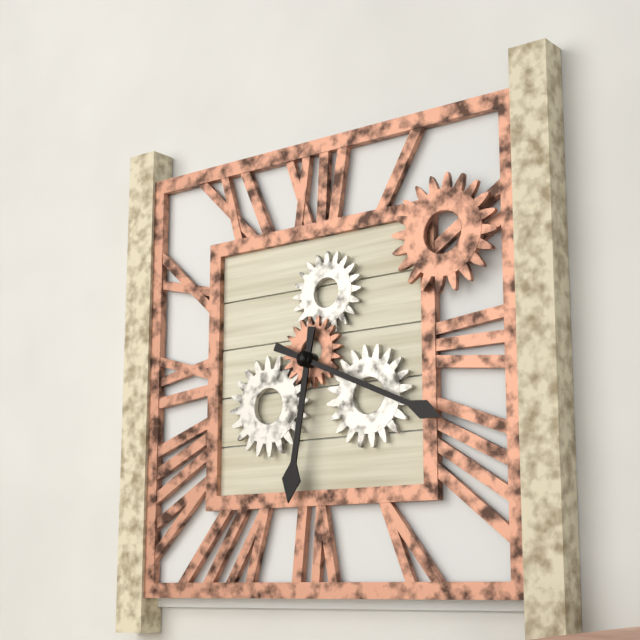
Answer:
6,19
